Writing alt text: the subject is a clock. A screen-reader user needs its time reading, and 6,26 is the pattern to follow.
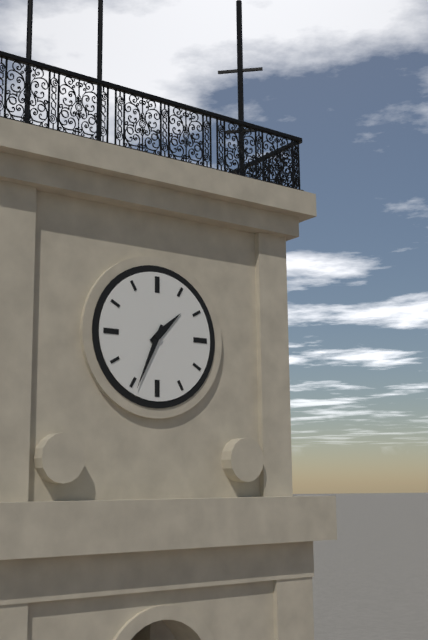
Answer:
1,34
